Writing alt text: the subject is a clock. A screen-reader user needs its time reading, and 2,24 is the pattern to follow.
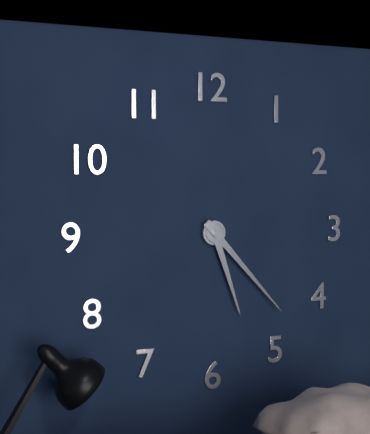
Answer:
5,23
